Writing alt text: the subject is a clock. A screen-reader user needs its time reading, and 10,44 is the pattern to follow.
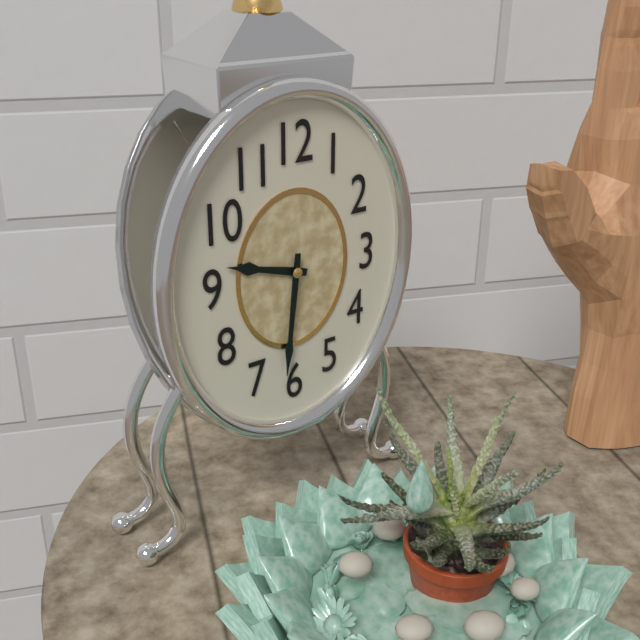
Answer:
9,31
